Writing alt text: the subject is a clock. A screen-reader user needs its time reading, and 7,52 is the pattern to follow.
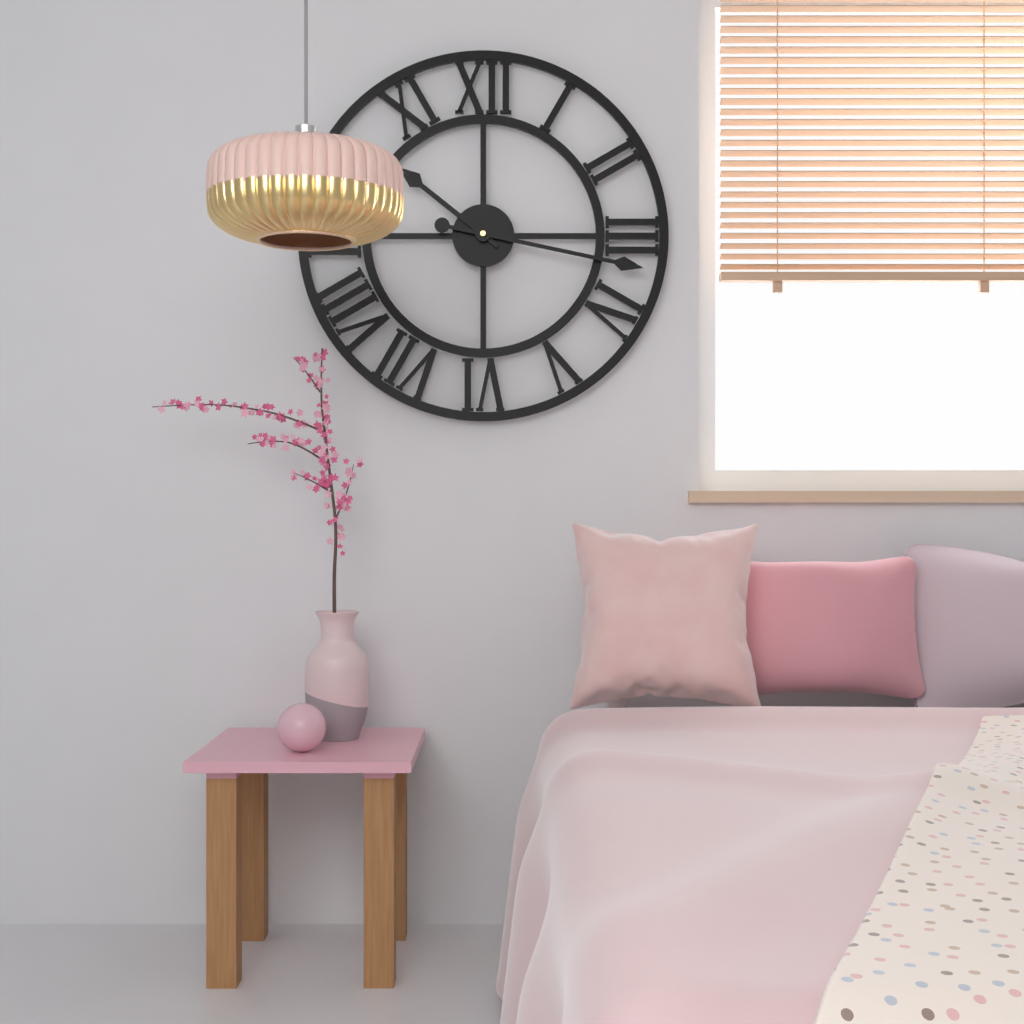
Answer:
10,17
